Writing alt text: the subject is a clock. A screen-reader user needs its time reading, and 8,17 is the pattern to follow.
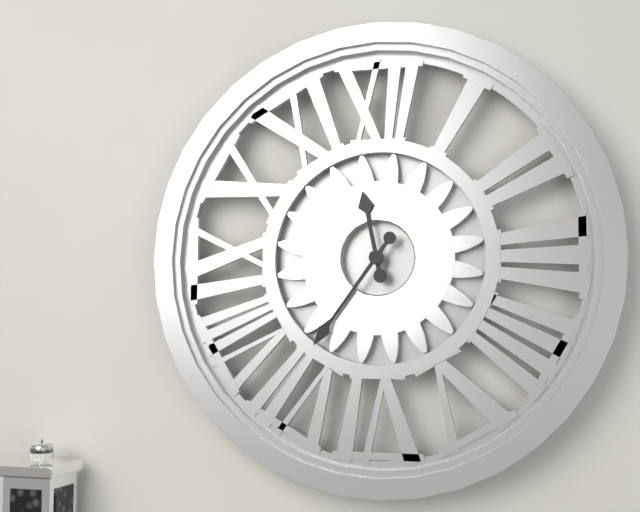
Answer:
11,36
